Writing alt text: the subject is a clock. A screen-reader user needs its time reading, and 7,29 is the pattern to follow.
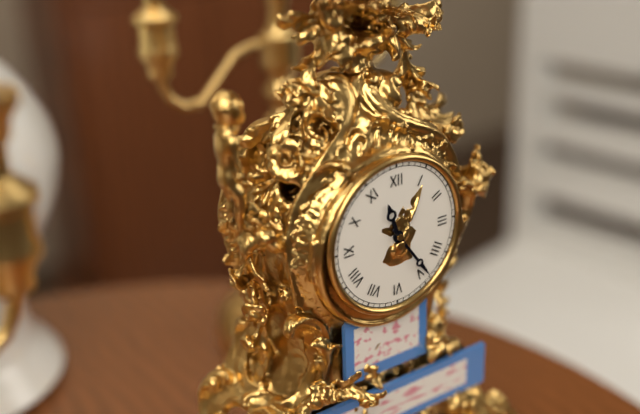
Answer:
11,24
